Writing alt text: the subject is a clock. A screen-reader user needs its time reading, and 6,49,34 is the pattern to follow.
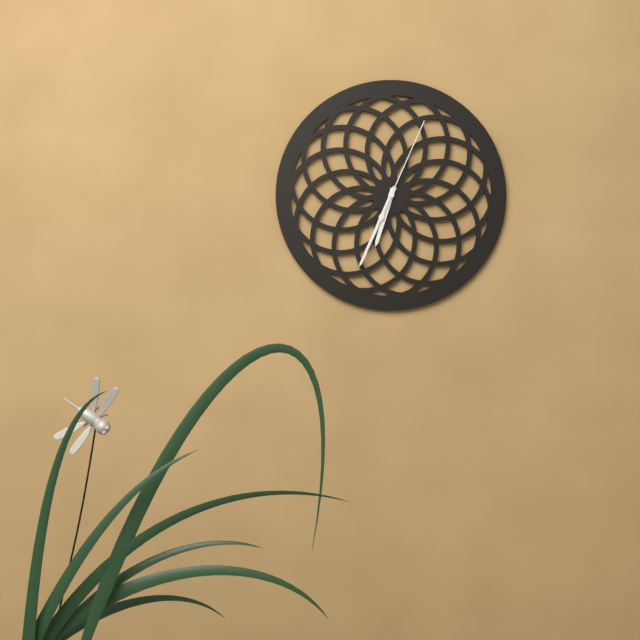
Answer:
6,34,04
